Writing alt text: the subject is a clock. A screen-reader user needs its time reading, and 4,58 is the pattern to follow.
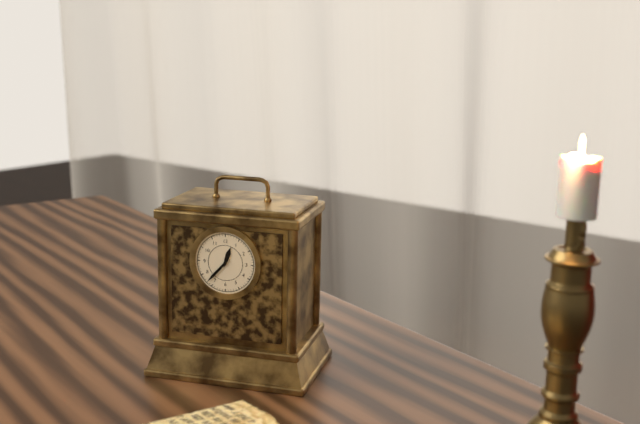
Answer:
12,37
